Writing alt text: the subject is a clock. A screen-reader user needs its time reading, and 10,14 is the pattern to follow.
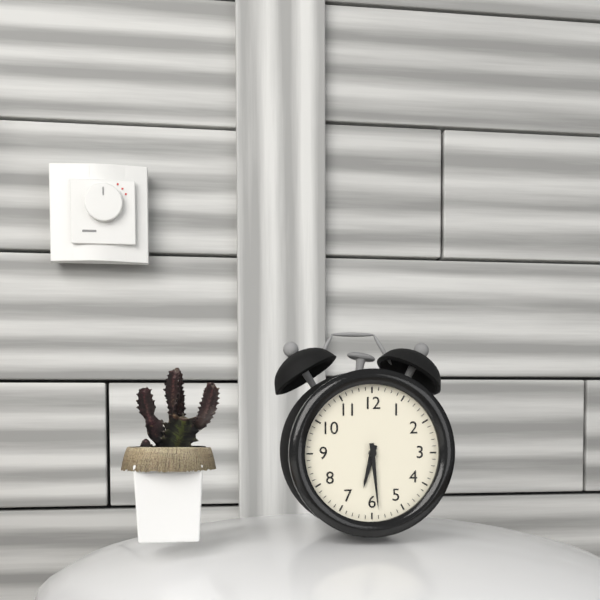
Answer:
6,29
